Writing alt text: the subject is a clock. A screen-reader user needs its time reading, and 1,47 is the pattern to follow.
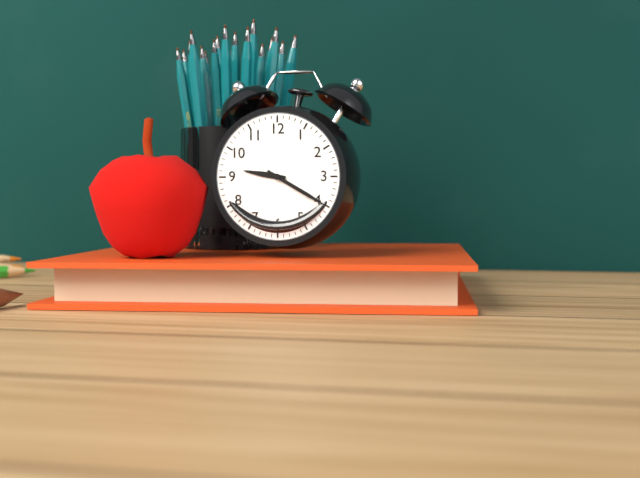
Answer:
9,20
